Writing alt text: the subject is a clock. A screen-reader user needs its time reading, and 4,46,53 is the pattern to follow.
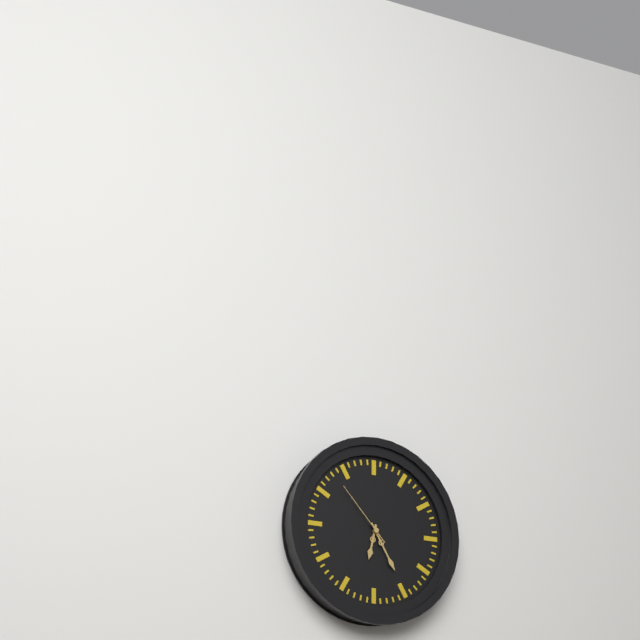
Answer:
6,25,53
